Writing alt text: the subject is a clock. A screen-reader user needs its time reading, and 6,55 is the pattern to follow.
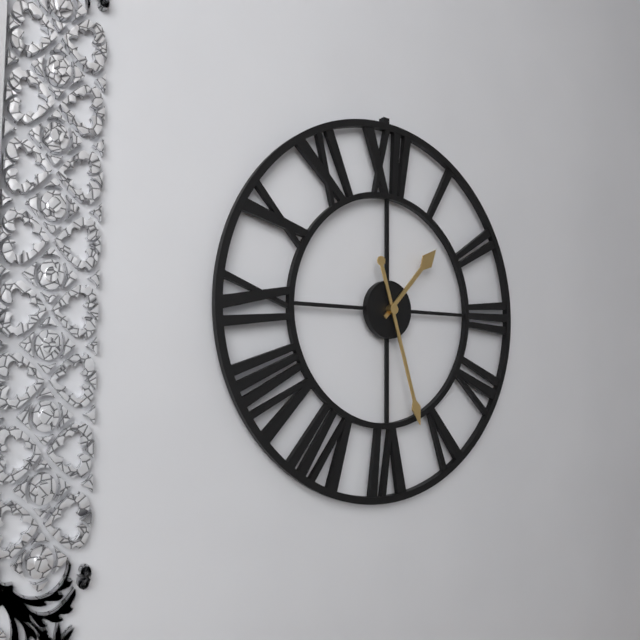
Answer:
1,27
